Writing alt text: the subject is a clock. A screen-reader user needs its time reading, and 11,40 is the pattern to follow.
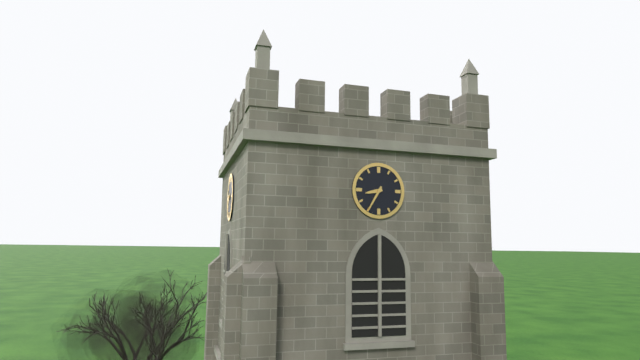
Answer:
8,35
